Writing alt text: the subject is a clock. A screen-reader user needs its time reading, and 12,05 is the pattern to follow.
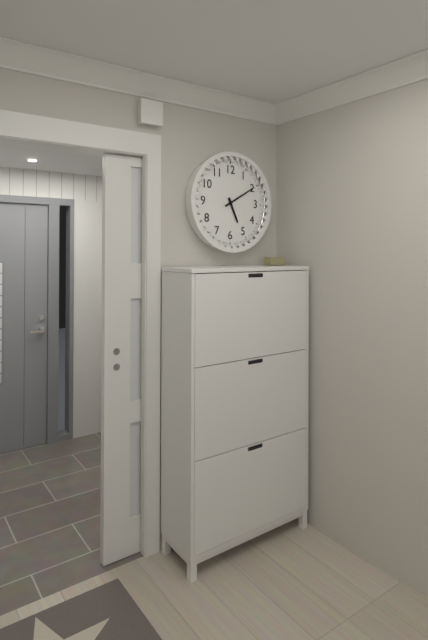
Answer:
5,10
